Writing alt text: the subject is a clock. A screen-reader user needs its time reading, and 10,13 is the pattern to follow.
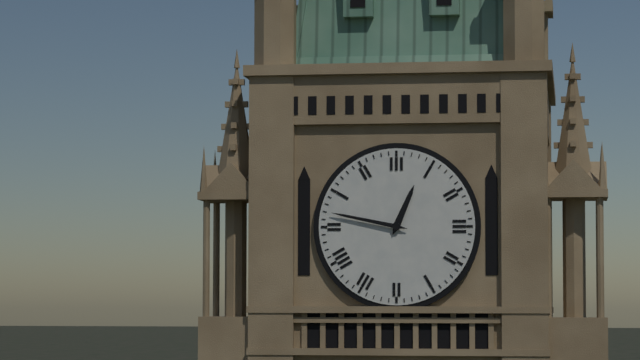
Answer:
12,47
